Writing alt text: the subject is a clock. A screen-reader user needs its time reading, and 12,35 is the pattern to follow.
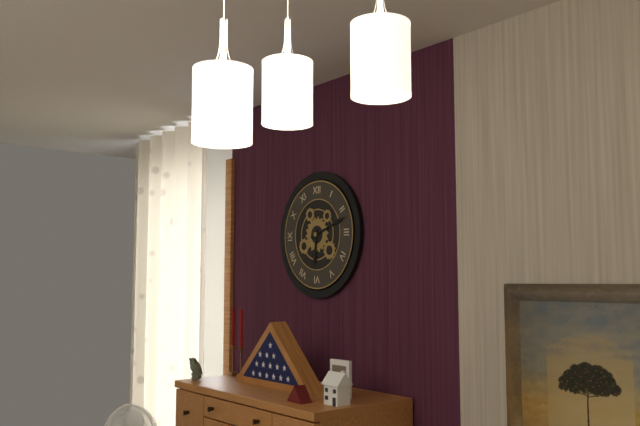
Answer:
6,12
